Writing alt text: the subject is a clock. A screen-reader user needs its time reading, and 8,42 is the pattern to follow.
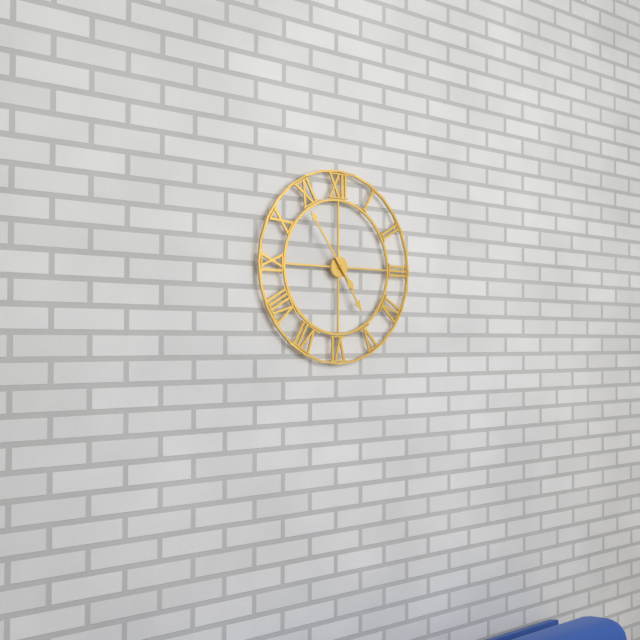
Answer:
4,54
